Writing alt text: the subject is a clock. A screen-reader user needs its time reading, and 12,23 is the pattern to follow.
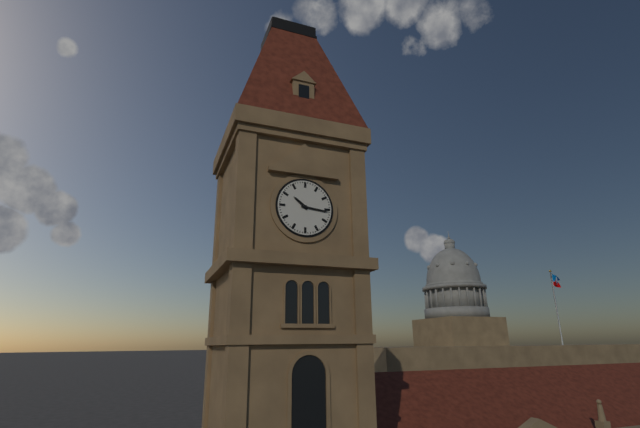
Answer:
10,16
